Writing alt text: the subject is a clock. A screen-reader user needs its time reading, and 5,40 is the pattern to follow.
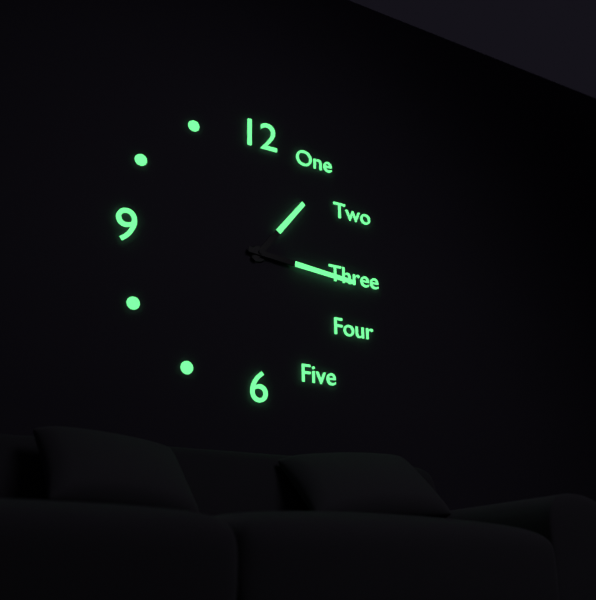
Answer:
1,16
